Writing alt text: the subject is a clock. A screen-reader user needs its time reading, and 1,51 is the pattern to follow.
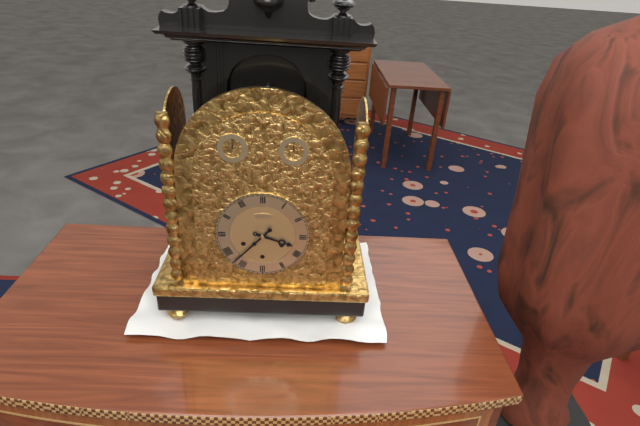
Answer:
3,37
